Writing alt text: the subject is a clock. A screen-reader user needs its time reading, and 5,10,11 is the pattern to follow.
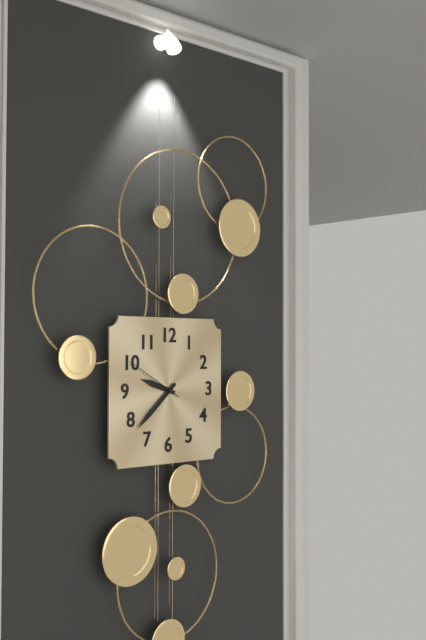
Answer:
9,38,50
